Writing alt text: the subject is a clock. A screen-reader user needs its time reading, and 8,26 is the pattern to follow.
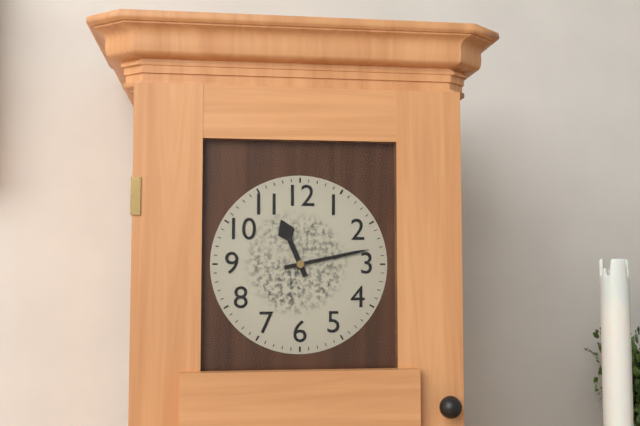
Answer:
11,13
